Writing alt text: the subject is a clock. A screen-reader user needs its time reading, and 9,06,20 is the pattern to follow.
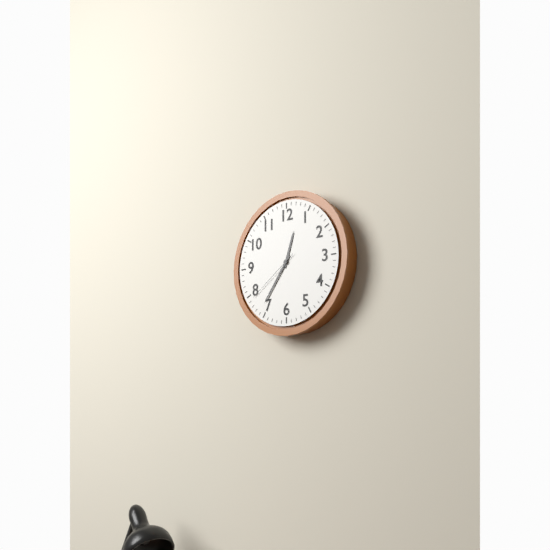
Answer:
12,36,39
